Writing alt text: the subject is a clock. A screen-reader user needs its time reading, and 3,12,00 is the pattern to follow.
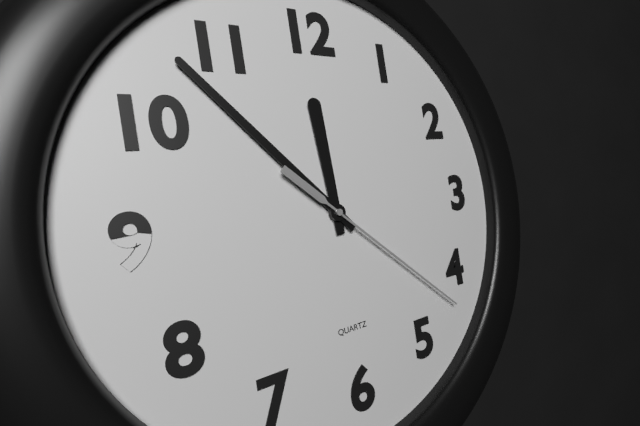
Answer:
11,53,22
